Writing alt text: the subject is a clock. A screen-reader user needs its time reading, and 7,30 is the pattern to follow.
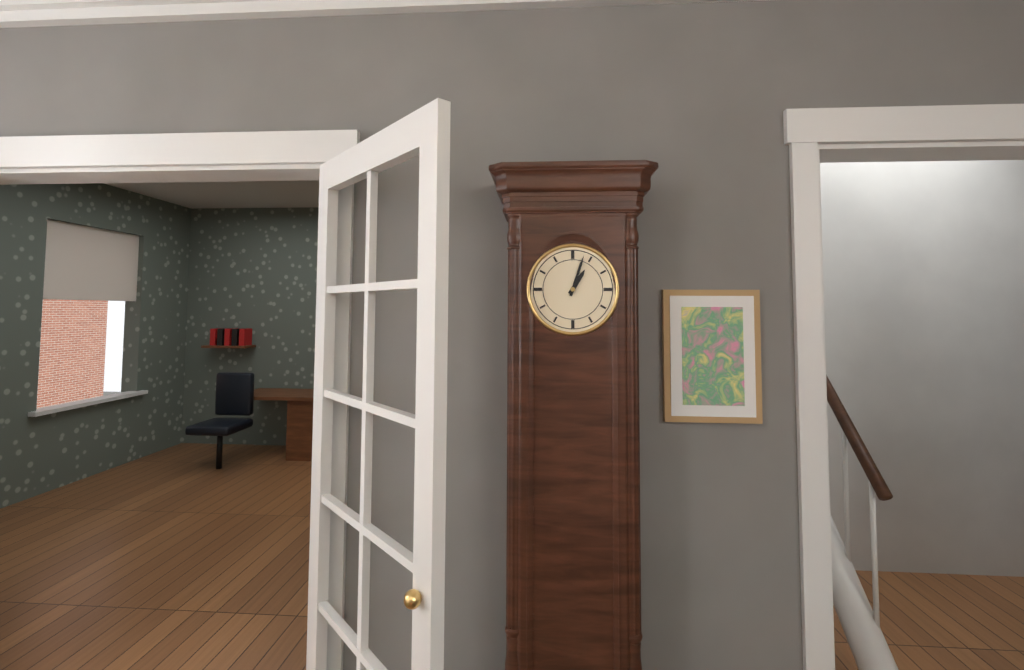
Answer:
1,03
